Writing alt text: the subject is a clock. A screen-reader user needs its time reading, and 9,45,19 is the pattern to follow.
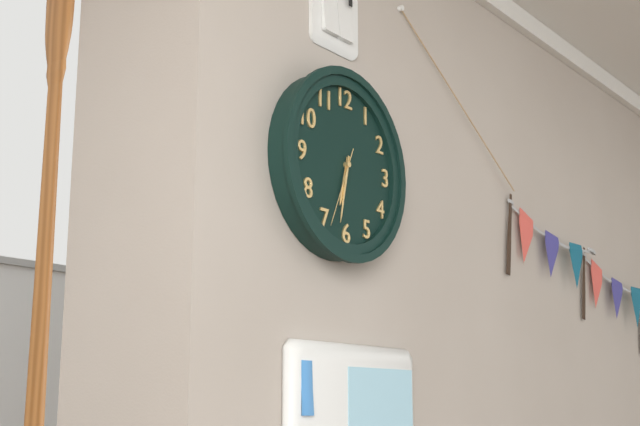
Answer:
6,32,34
